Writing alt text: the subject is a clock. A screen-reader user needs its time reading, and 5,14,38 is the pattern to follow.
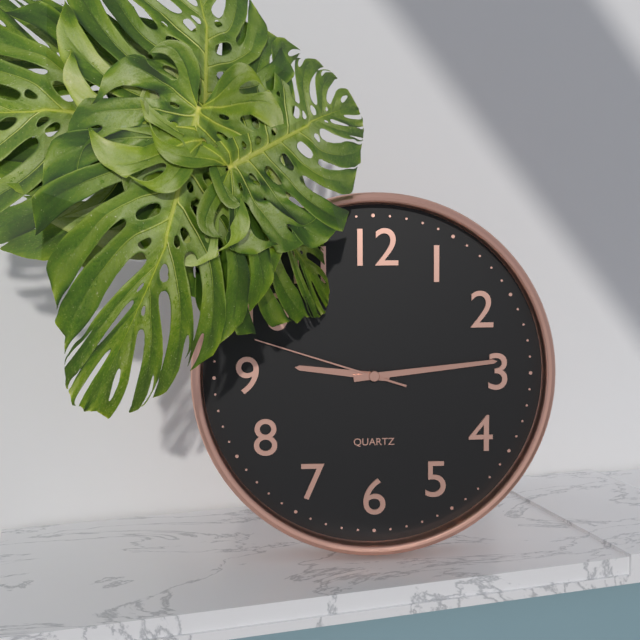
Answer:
9,14,48
